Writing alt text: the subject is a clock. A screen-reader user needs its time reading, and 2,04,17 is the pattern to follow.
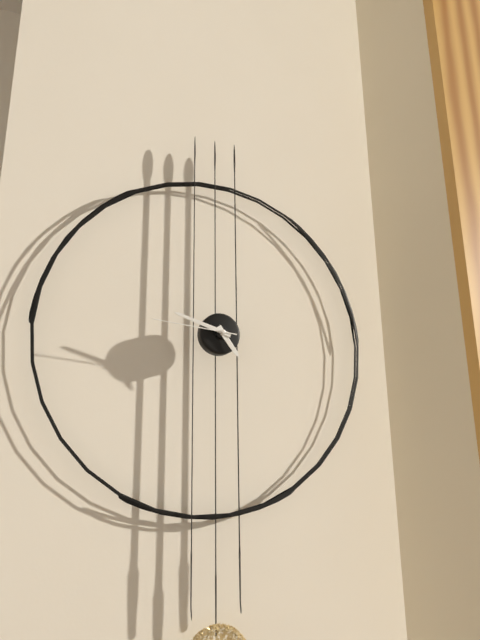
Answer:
4,48,46
